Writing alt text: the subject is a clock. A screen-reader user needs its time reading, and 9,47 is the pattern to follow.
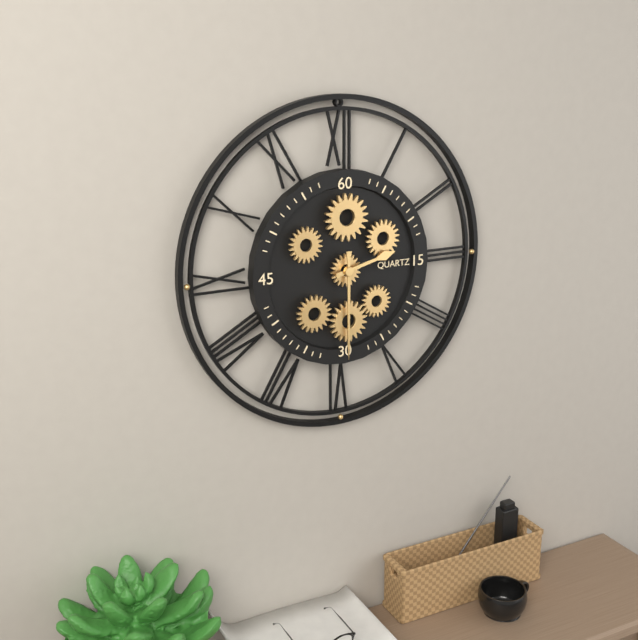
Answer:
2,30
